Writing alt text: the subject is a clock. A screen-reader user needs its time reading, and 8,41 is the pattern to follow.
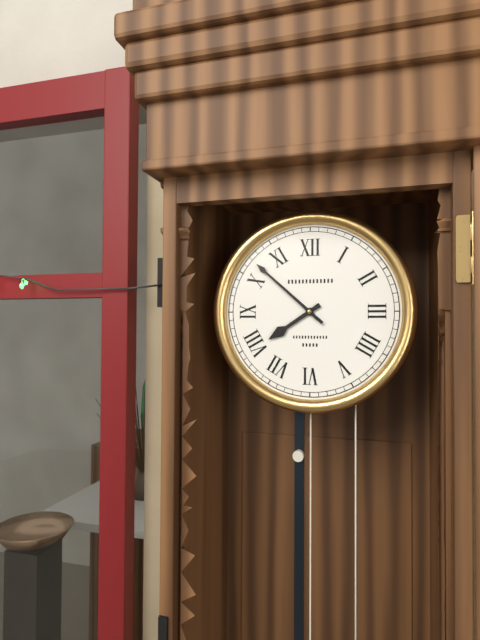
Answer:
7,52
